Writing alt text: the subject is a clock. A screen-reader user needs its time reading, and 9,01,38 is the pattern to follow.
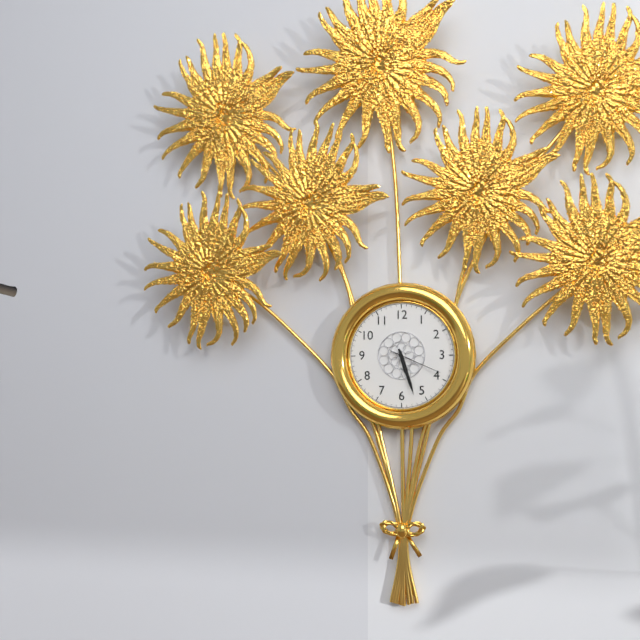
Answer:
5,27,19
